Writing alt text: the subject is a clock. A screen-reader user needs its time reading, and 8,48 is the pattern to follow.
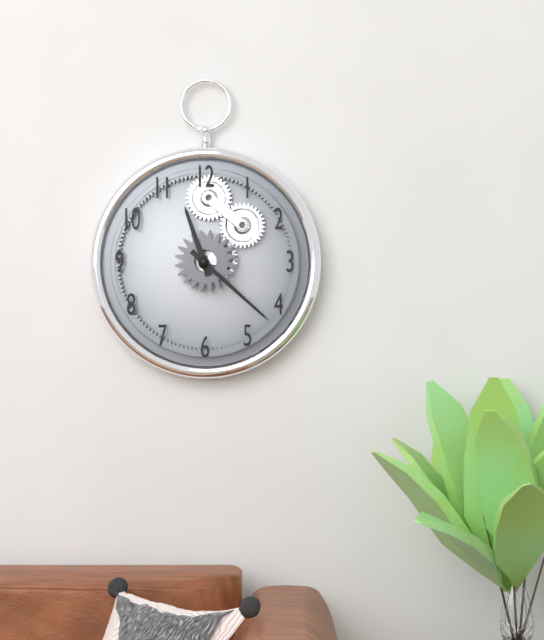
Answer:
11,22
